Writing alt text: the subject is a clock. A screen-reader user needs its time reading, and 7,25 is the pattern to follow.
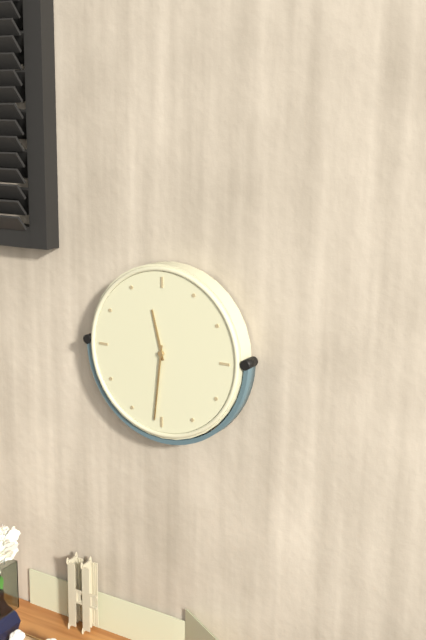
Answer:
11,31
